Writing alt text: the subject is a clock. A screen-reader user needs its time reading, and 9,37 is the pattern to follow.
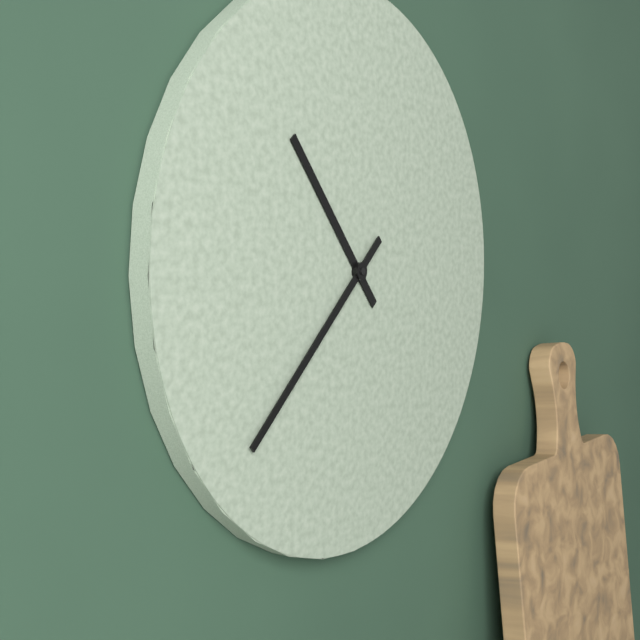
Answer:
10,38
